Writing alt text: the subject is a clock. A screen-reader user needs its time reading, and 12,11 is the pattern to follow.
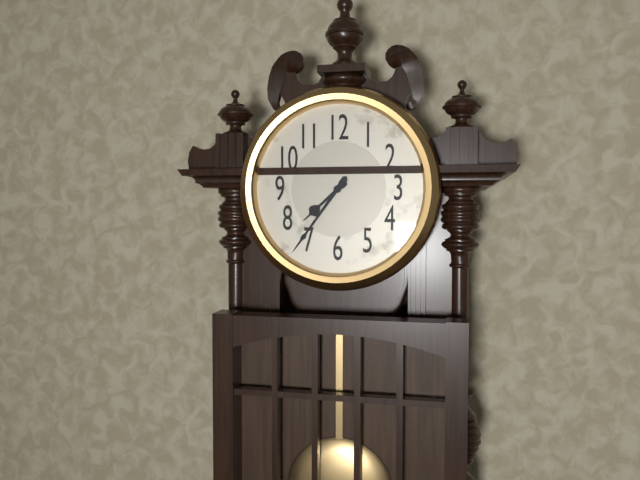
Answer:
7,36
